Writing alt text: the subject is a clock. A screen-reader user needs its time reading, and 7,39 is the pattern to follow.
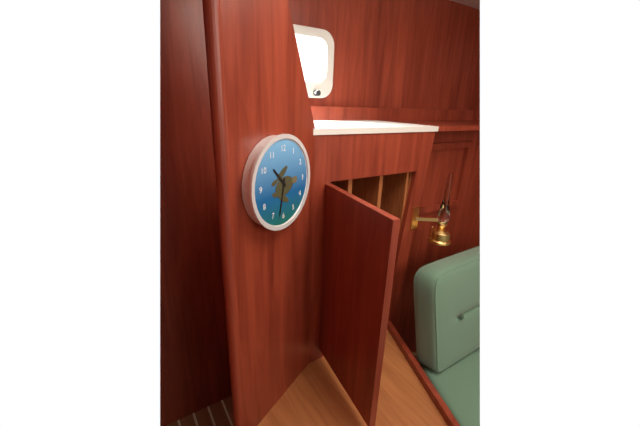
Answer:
10,32
